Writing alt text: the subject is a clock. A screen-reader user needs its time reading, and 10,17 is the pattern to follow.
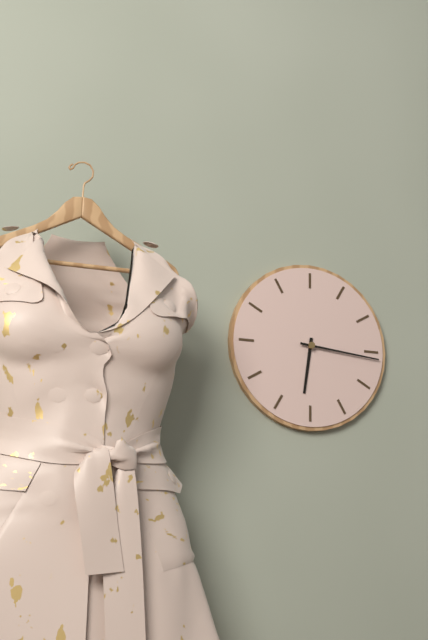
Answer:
6,16
